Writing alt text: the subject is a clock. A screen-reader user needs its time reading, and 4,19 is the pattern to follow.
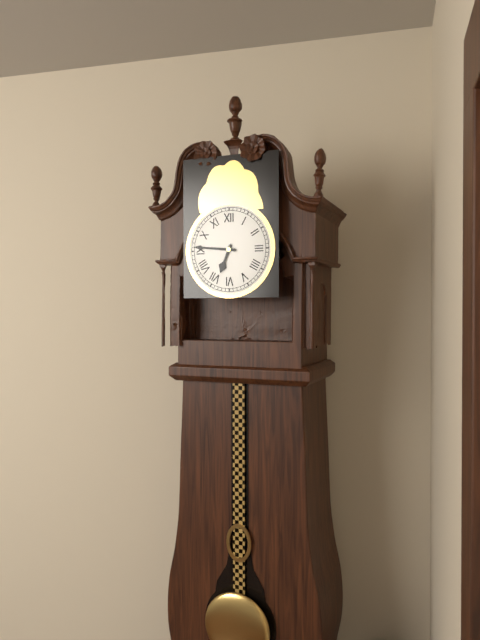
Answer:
6,46
